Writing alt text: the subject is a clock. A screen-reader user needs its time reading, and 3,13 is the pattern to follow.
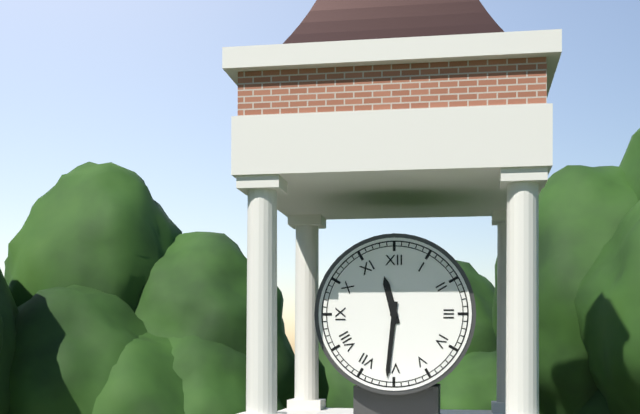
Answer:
11,31
